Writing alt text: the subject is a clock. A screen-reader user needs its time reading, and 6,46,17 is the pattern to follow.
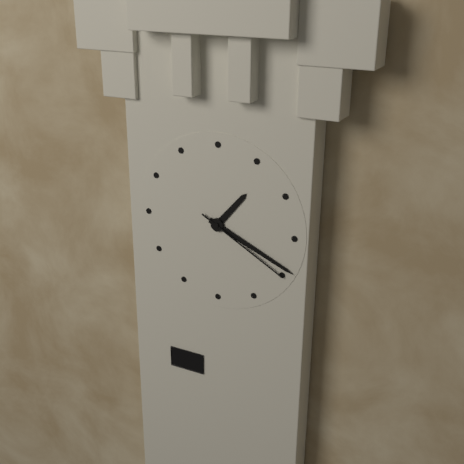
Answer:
1,19,20
